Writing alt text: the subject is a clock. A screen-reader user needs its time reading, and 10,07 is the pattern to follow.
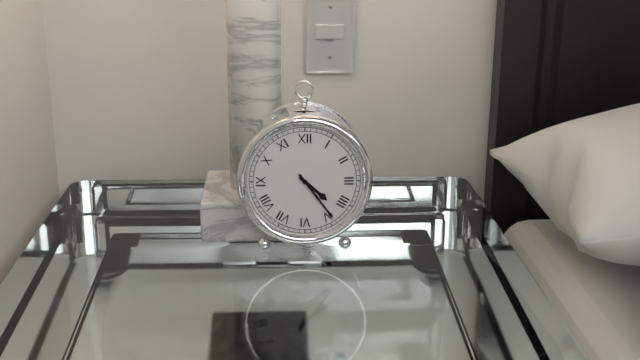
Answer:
4,24
